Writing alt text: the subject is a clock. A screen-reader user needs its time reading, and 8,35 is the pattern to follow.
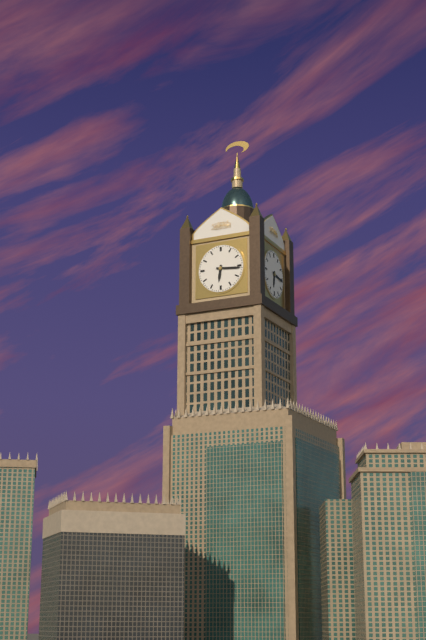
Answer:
6,16
